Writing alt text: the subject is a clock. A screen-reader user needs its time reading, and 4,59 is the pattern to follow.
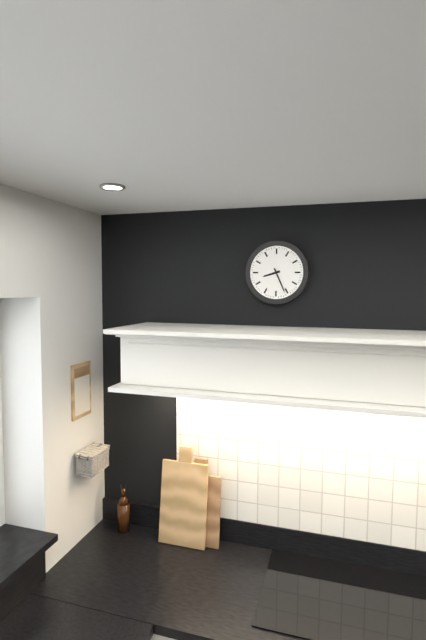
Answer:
8,26
